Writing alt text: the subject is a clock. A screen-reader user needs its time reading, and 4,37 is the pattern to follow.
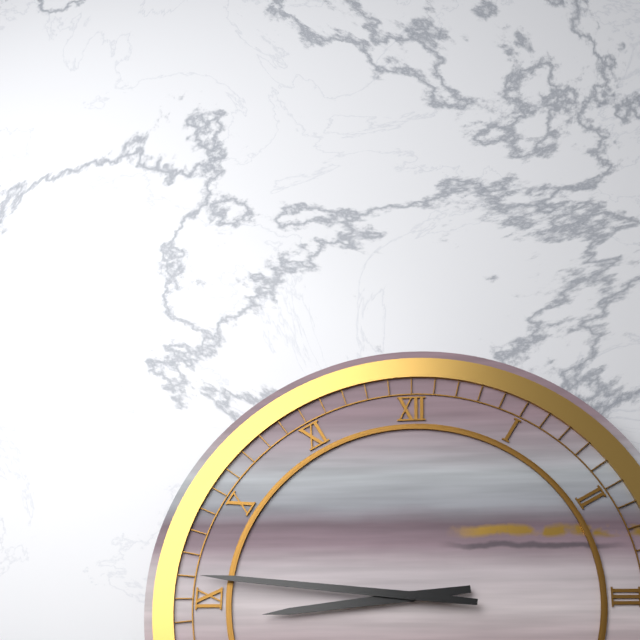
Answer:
8,46
